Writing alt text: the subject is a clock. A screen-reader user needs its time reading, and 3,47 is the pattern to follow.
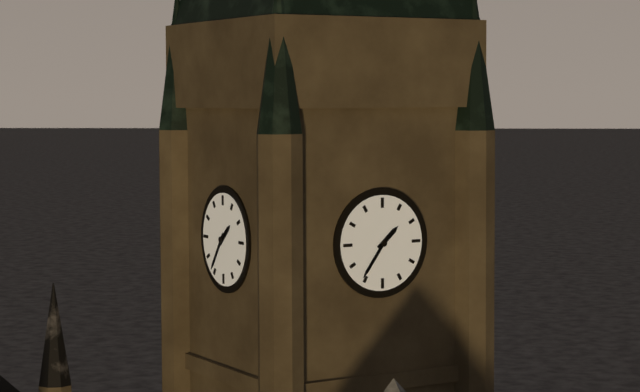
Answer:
1,36
